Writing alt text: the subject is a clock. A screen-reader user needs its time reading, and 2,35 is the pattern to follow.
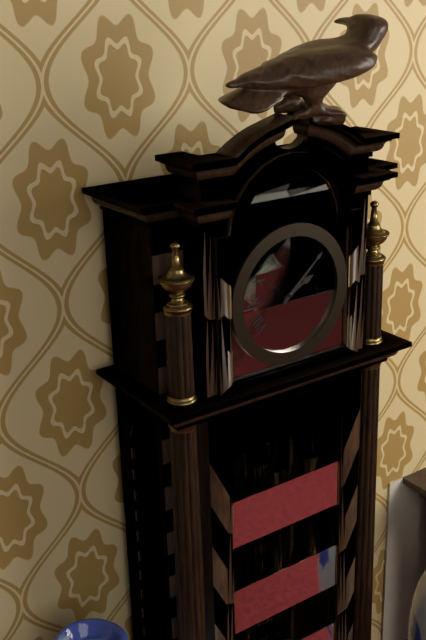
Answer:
2,08
